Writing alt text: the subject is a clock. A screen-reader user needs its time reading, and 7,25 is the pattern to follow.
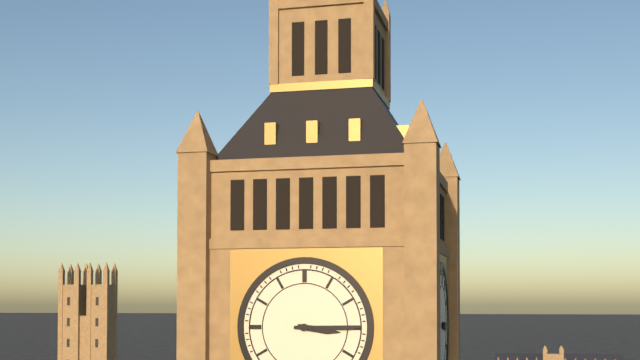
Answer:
3,15
